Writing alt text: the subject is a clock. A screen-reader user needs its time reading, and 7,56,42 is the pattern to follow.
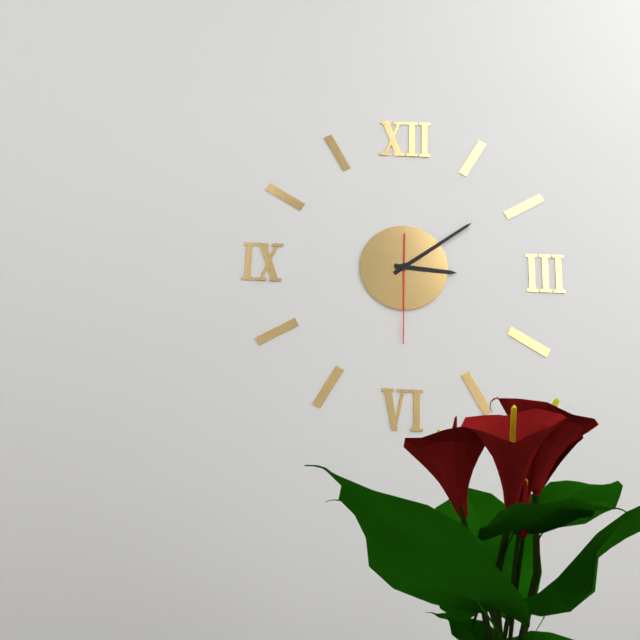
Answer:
3,09,30
